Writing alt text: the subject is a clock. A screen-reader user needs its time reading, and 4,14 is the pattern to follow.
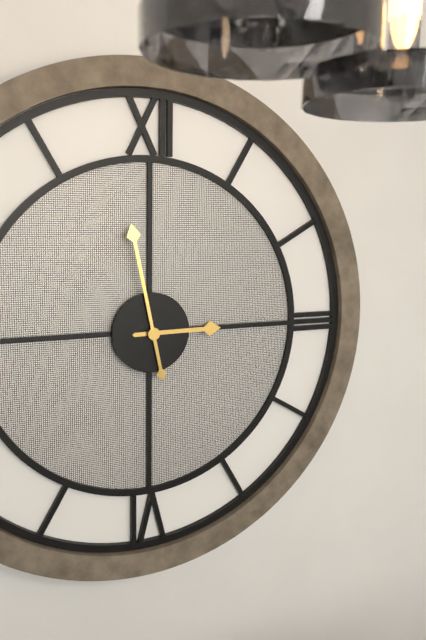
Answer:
2,58
